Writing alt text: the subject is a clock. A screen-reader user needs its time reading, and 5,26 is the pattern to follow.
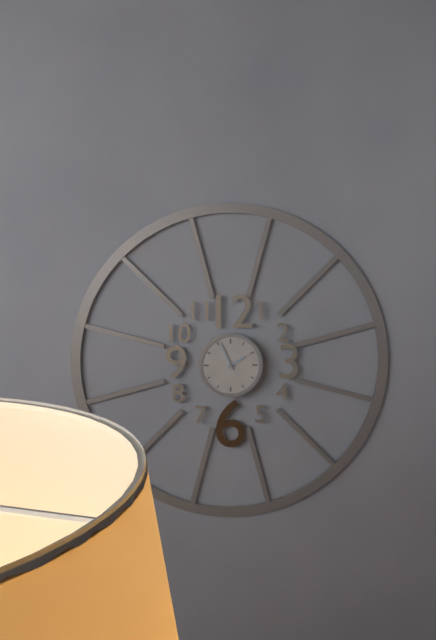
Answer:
1,56
